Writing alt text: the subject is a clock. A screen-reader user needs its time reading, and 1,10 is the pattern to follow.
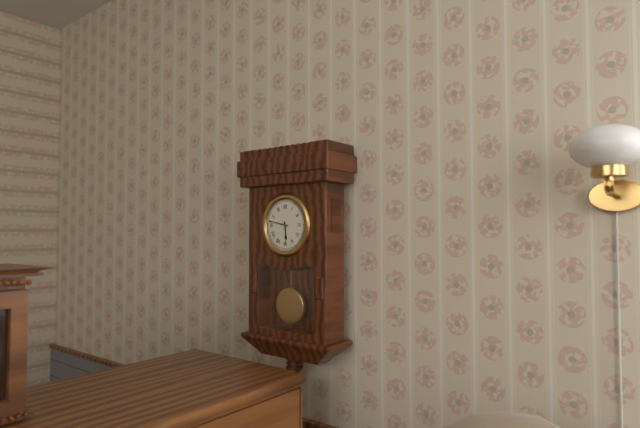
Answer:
5,47
